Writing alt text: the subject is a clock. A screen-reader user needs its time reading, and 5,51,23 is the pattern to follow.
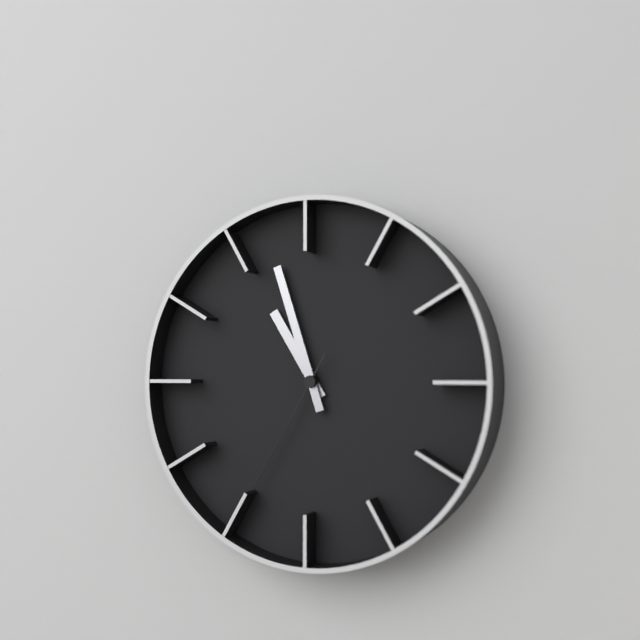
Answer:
10,57,35
